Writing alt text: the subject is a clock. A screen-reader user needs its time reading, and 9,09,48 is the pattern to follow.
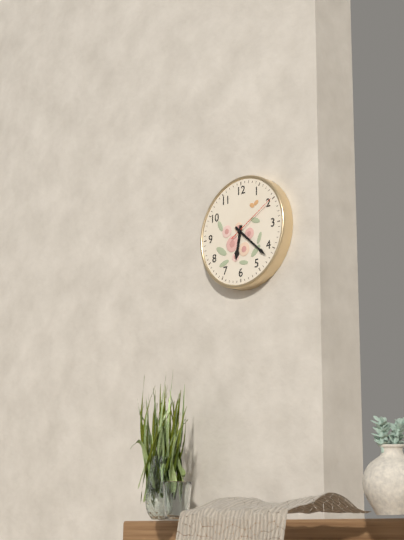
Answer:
6,22,10
